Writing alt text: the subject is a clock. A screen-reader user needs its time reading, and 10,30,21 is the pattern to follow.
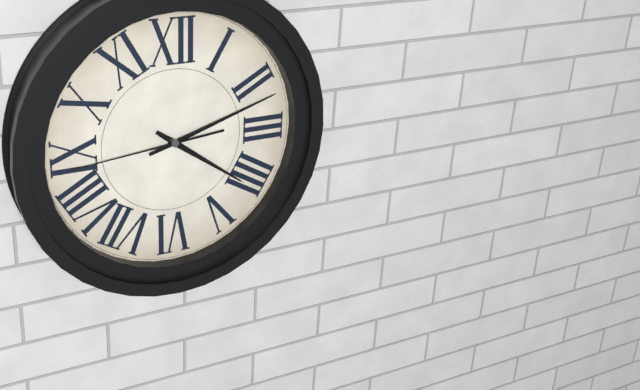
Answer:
4,12,44
